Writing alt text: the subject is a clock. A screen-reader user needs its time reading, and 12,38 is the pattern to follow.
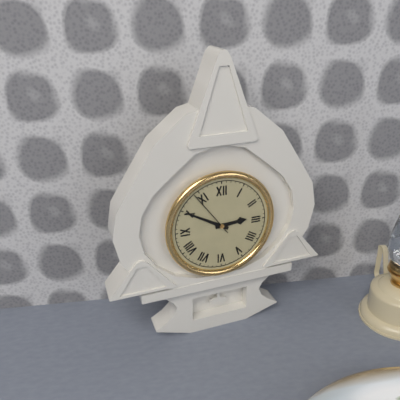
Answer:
2,50
